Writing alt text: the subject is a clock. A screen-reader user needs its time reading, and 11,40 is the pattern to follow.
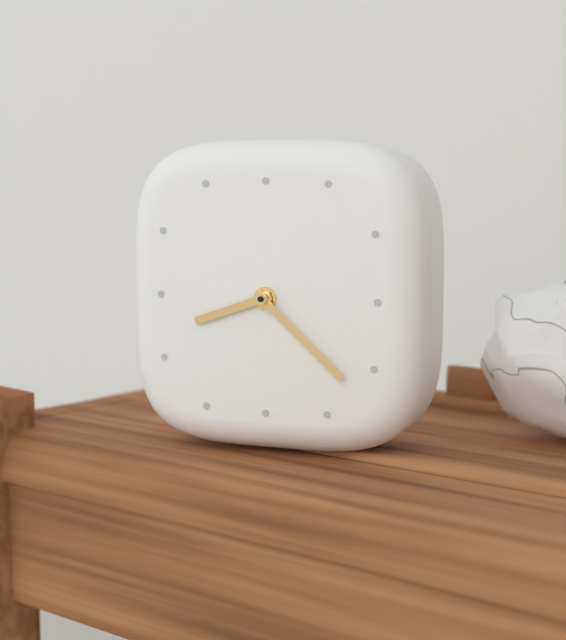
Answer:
8,22
